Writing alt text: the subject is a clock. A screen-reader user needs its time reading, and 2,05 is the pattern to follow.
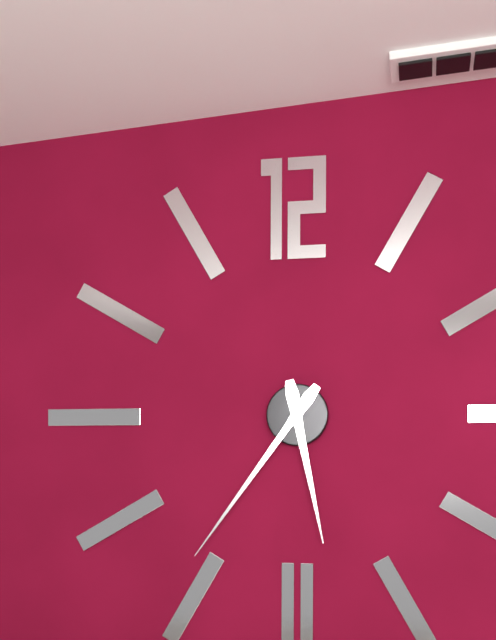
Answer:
5,36
